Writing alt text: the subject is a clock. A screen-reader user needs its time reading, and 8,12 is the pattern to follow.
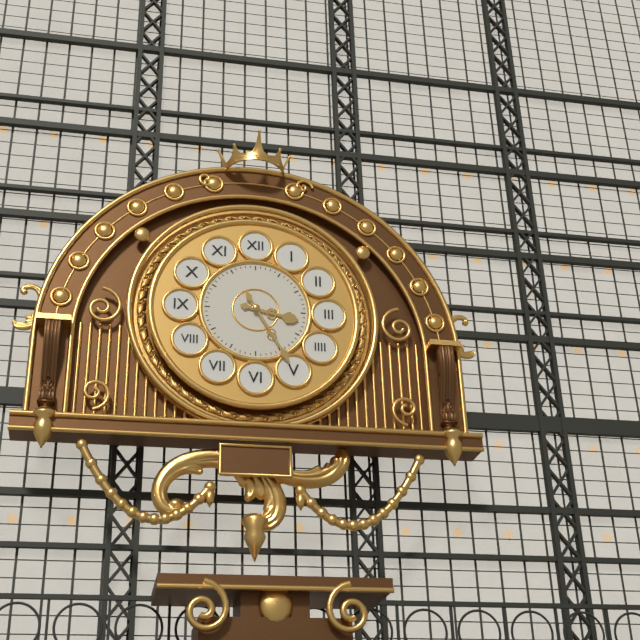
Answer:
3,25
